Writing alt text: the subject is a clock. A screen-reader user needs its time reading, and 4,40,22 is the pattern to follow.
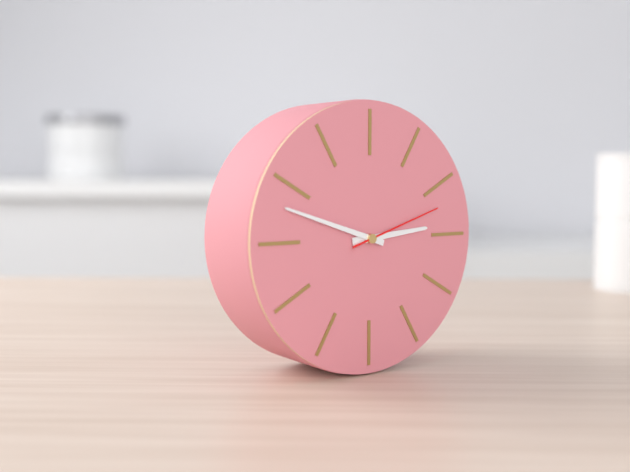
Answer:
2,48,12
